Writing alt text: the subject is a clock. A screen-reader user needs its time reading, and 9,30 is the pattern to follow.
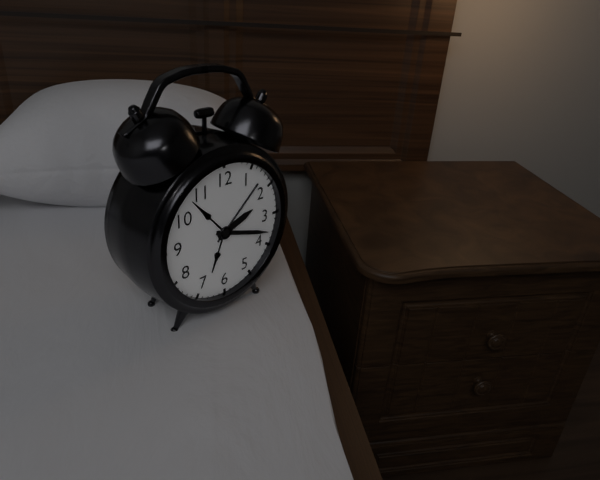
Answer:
2,18
